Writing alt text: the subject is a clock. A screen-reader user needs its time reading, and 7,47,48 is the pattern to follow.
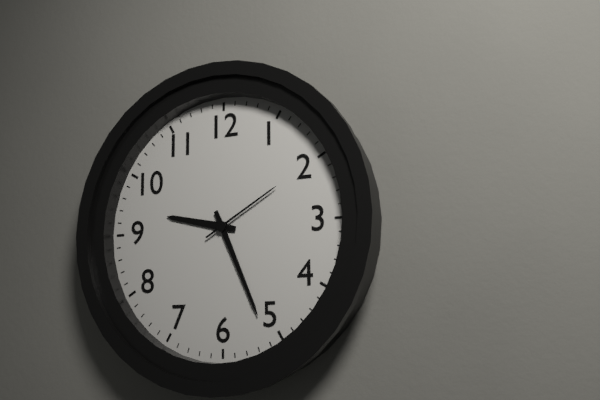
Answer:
9,26,10
